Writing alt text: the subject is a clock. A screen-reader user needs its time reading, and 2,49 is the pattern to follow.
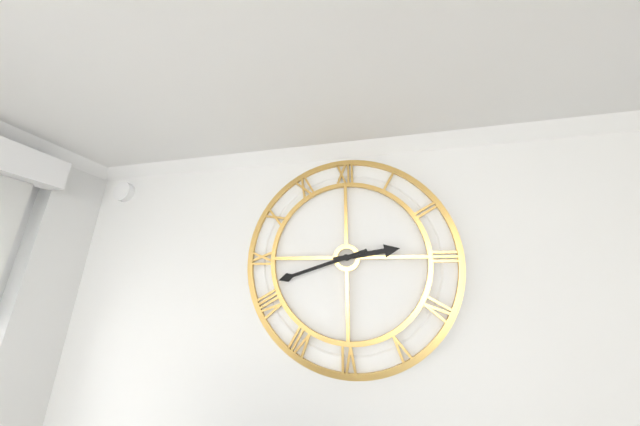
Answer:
2,42
